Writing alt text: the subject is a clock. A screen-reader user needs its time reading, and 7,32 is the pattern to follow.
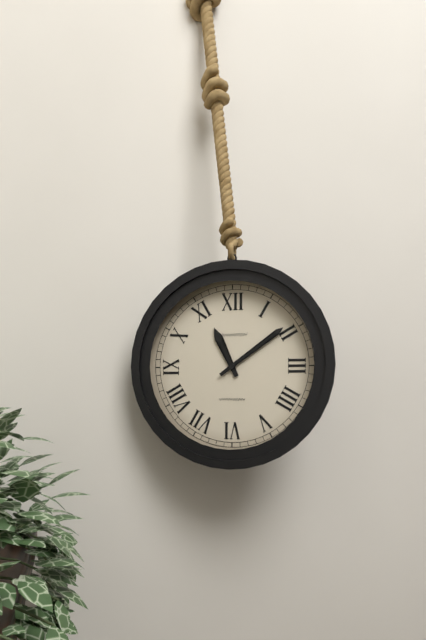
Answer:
11,09
